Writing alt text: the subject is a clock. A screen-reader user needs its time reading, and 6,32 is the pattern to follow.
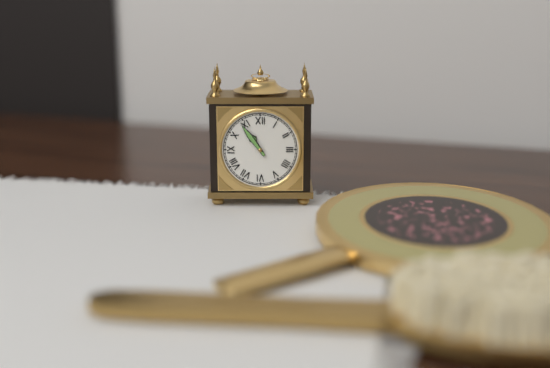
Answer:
10,54
